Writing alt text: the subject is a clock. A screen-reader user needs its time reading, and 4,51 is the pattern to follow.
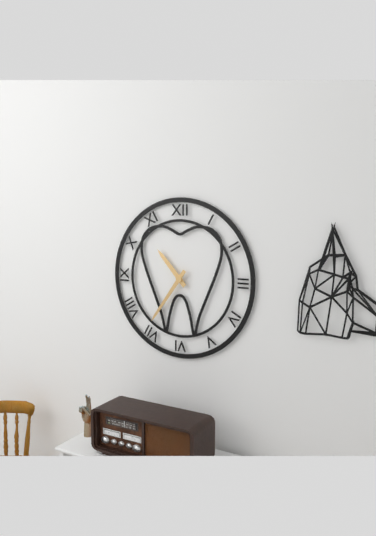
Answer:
10,36
